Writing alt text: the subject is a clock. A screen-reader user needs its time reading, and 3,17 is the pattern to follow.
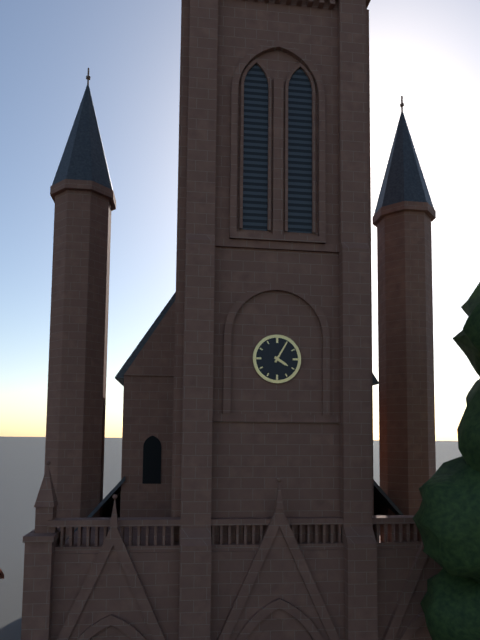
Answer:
4,05
